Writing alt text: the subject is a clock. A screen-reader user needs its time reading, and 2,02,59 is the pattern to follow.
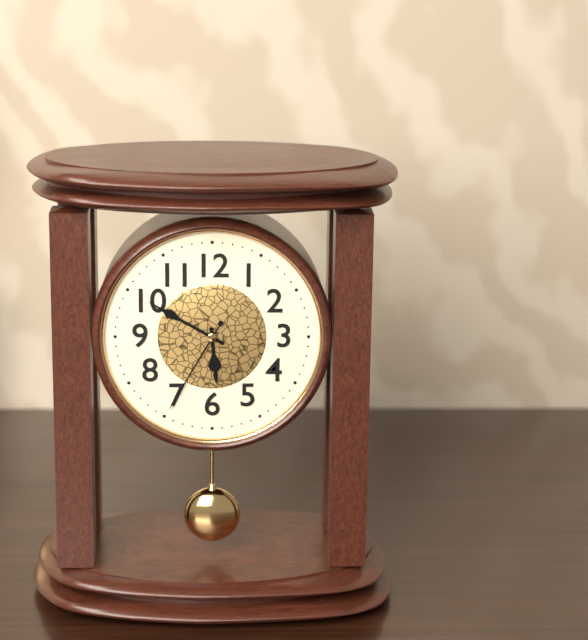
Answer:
5,50,35
